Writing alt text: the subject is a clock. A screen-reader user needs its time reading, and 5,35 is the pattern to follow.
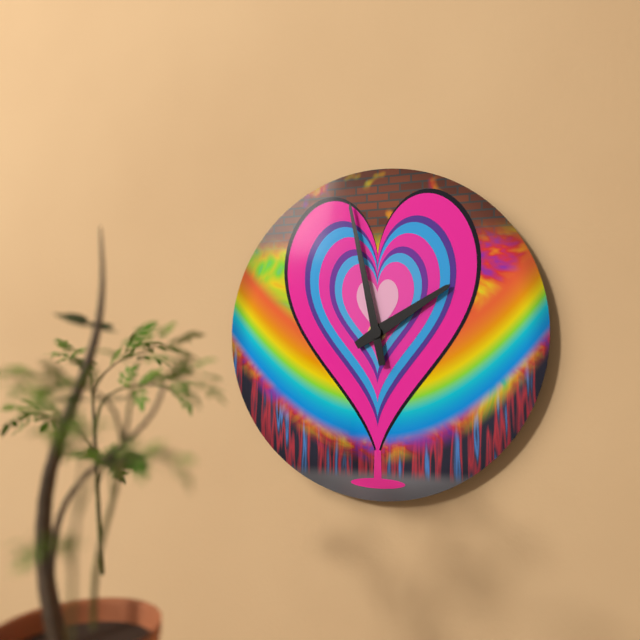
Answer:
1,58
